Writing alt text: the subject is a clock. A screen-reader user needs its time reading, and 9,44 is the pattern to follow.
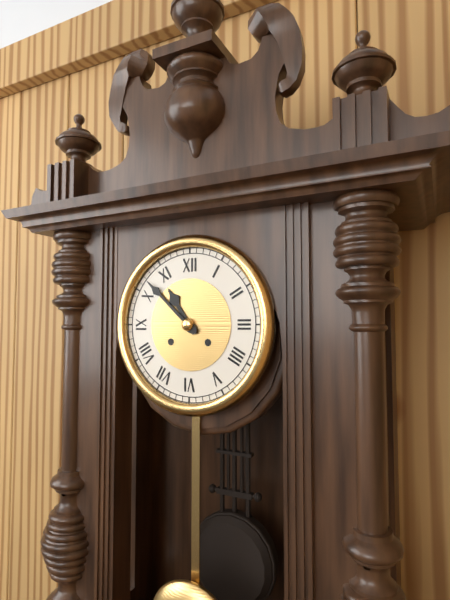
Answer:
10,52
